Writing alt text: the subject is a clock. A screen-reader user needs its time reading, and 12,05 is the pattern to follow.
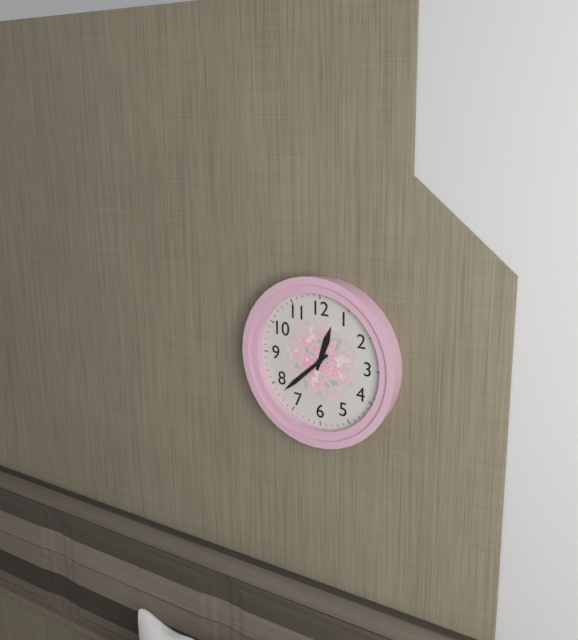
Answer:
12,38
